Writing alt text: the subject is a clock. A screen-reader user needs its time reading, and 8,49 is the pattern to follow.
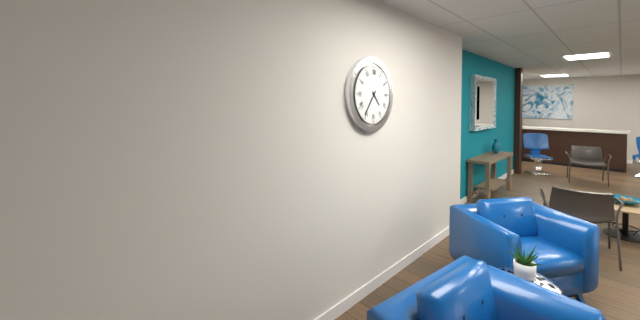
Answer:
4,36
